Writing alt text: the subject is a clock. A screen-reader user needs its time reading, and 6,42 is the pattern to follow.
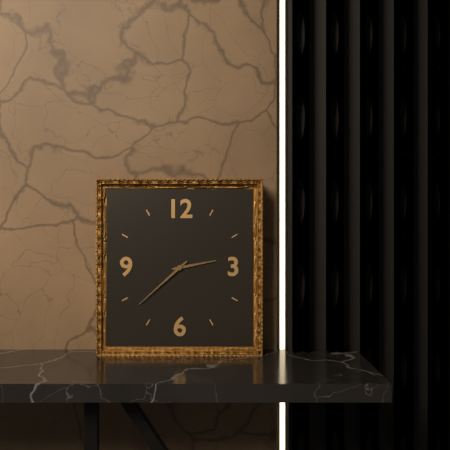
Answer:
2,38
